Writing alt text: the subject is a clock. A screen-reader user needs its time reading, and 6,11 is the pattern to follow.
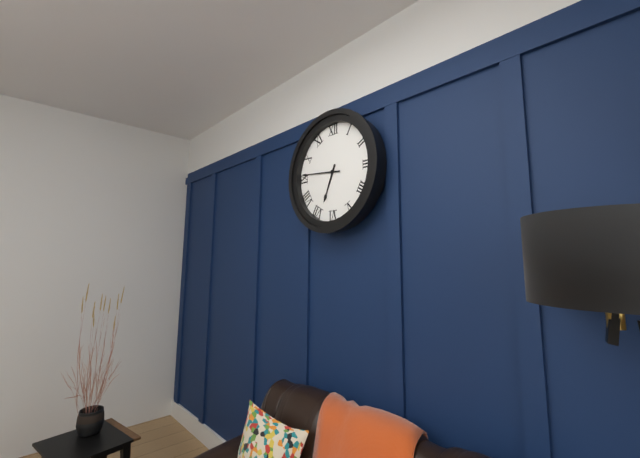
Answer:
6,46
